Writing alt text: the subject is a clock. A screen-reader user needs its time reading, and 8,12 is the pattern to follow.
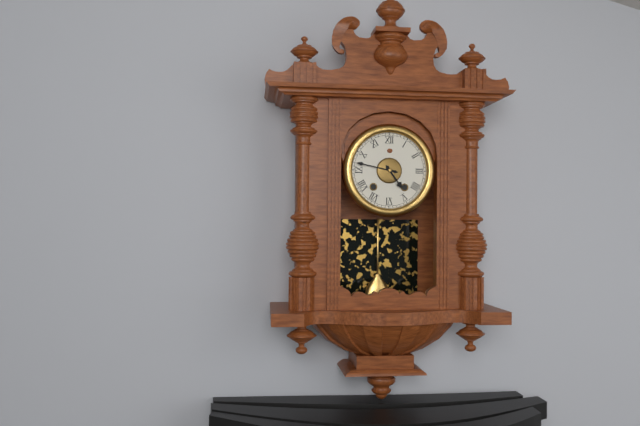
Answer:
4,47
